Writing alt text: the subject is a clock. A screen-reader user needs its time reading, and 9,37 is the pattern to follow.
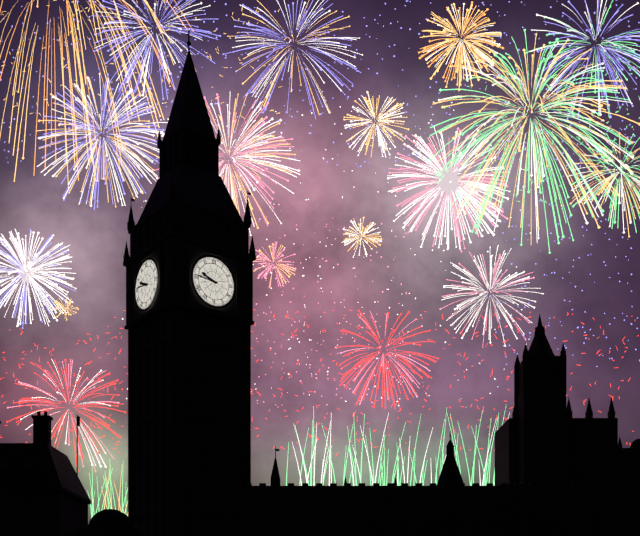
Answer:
9,46
